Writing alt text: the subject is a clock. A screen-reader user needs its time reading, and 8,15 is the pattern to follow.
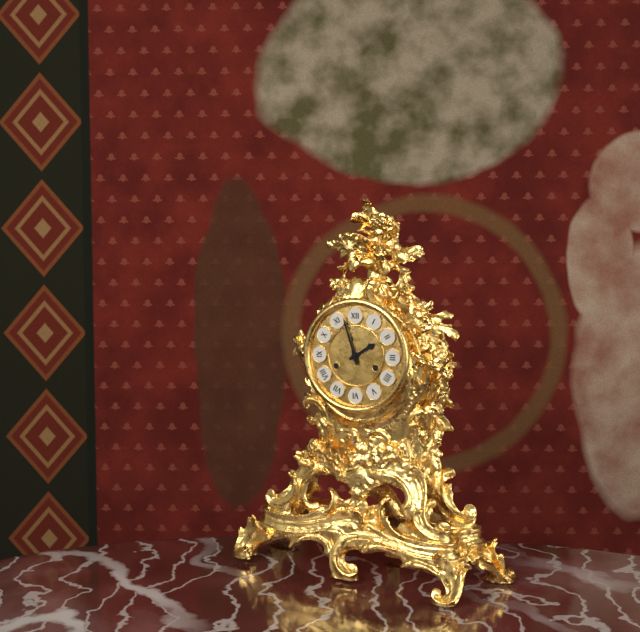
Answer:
1,57
